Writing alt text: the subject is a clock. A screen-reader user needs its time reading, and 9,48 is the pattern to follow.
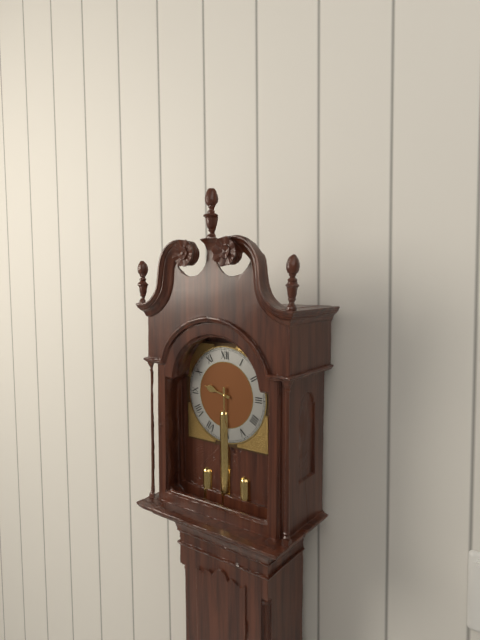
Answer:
9,30
